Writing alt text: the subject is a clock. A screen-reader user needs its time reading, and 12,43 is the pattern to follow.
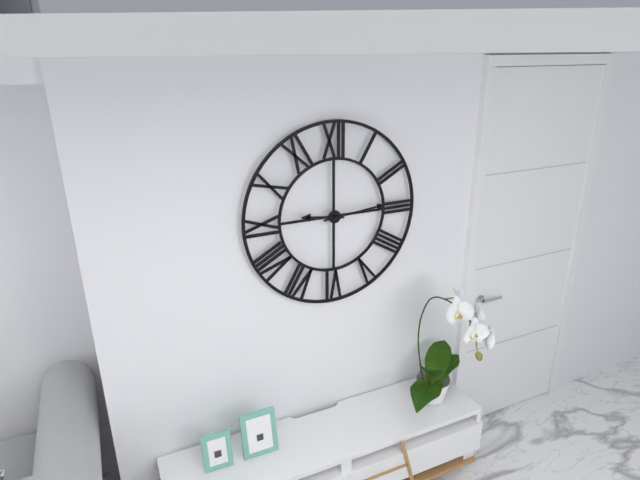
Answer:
9,14
